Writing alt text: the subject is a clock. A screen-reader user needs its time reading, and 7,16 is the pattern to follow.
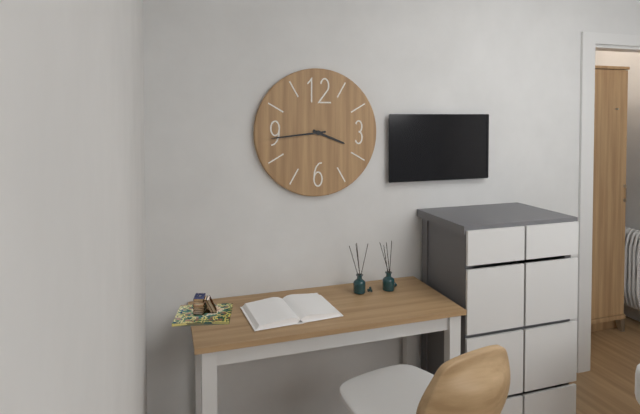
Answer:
3,44
